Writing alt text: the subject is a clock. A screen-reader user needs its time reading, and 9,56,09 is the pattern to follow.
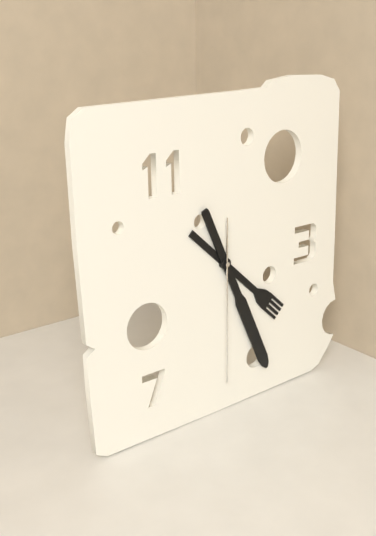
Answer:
4,26,30
